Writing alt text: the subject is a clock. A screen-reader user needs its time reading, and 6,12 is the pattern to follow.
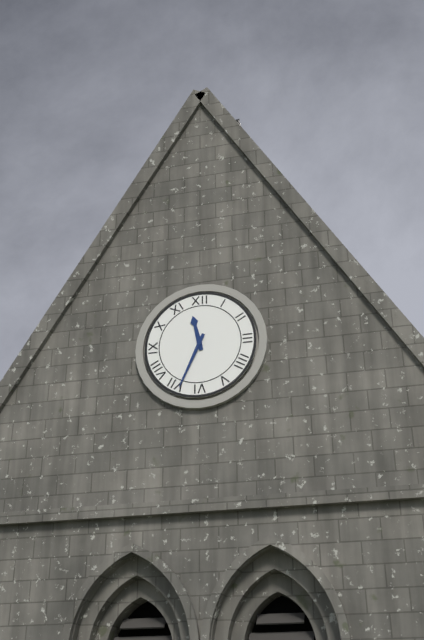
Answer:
11,34
